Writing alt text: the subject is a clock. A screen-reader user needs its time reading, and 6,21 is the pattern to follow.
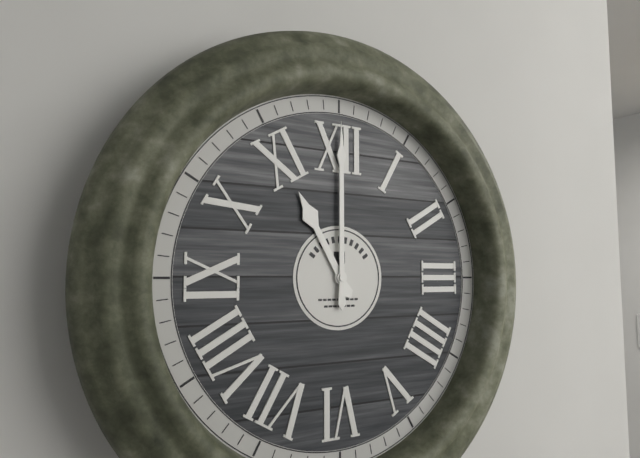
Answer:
11,00
